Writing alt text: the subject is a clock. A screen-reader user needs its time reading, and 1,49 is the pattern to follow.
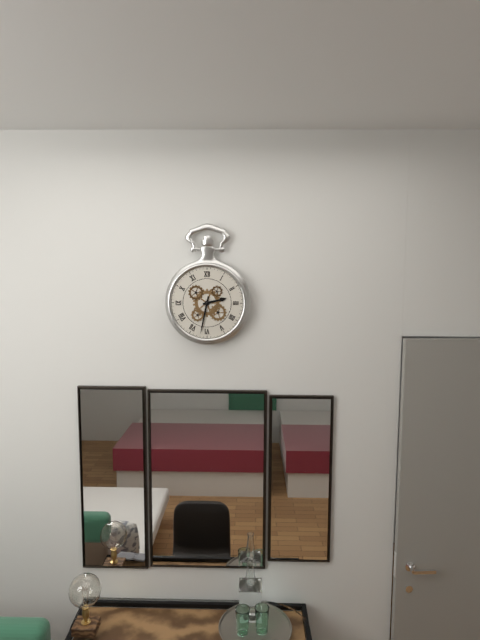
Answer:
2,32
